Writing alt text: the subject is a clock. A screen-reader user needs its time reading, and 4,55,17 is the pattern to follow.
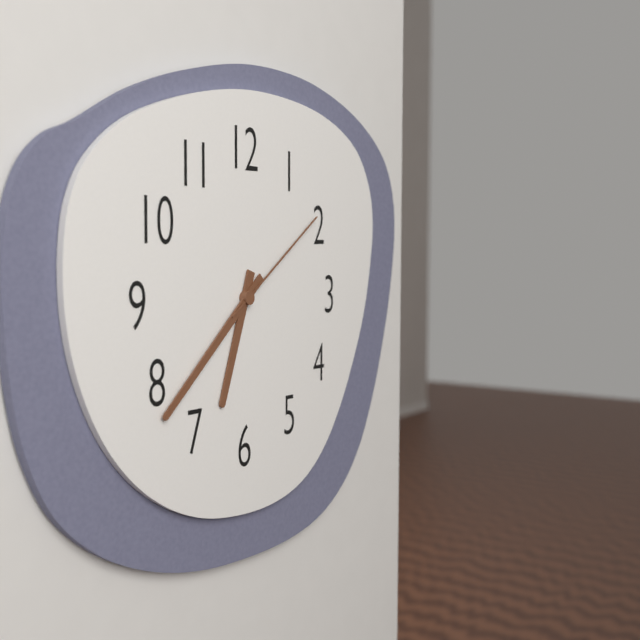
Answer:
6,38,09
